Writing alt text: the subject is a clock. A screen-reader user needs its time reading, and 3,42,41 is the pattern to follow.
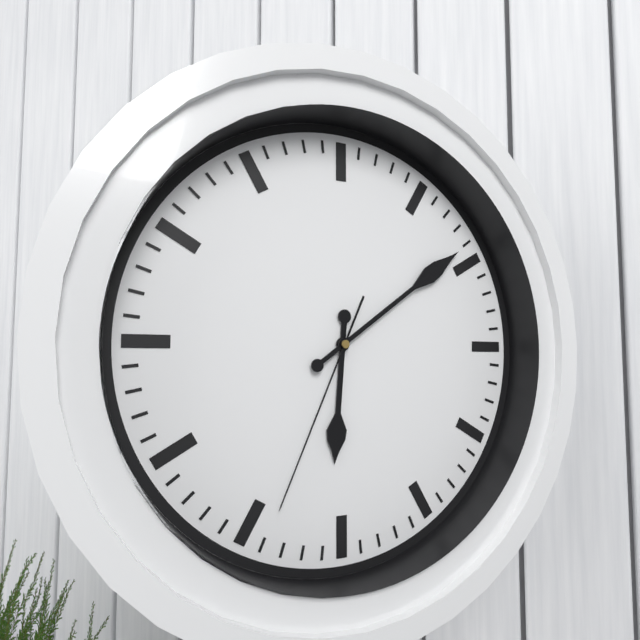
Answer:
6,09,34
